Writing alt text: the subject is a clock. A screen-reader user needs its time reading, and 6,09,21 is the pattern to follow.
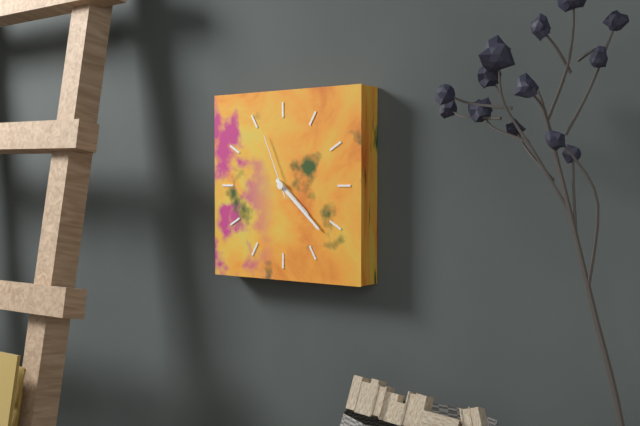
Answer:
4,22,56
